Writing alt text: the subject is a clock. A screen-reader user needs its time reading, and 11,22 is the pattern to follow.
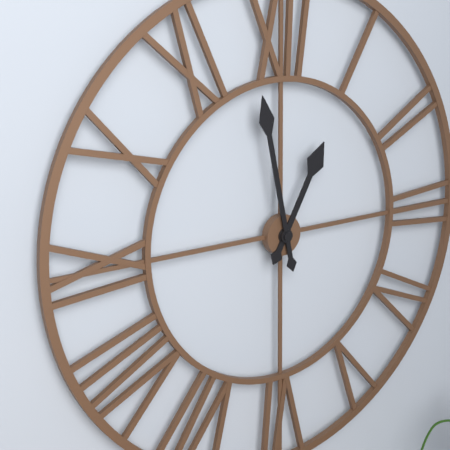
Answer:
12,58
